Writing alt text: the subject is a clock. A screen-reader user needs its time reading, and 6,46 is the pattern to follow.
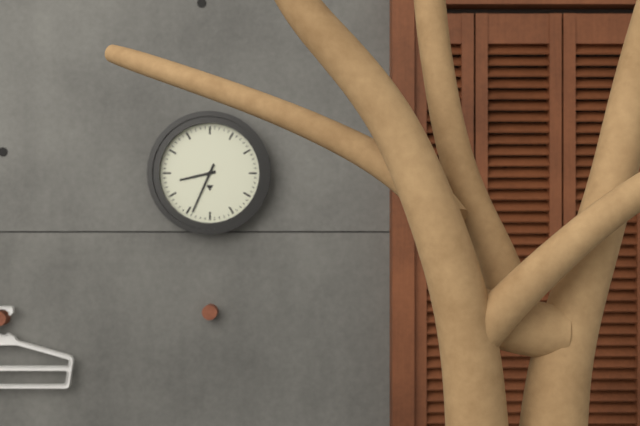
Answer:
8,34
